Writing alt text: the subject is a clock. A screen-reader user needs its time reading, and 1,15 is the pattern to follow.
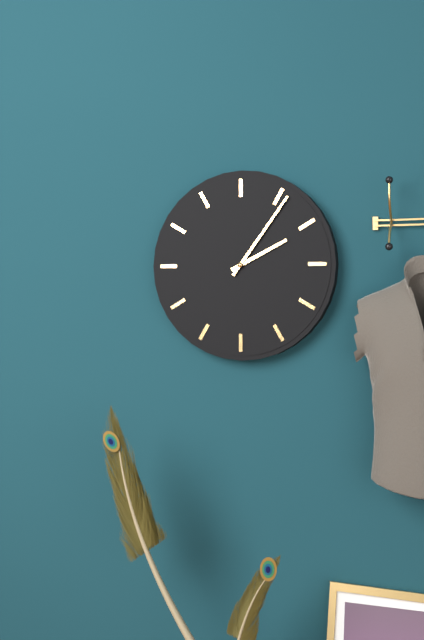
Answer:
2,06
